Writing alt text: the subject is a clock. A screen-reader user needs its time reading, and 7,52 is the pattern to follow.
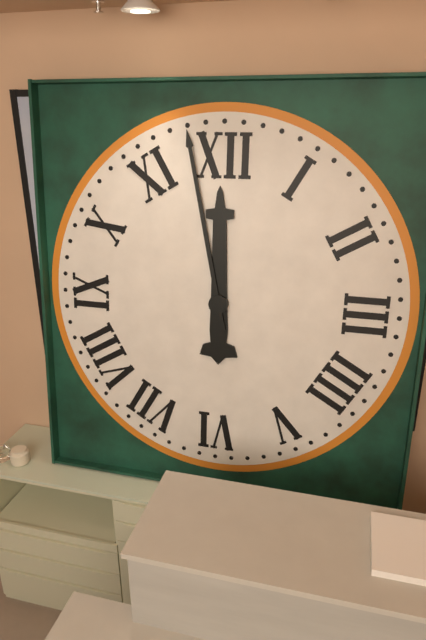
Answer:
11,58
